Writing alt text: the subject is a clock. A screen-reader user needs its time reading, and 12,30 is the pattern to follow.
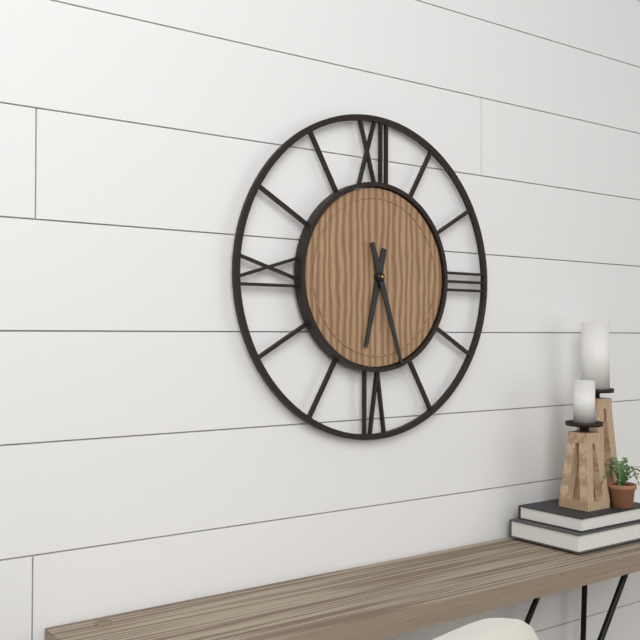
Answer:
6,27
